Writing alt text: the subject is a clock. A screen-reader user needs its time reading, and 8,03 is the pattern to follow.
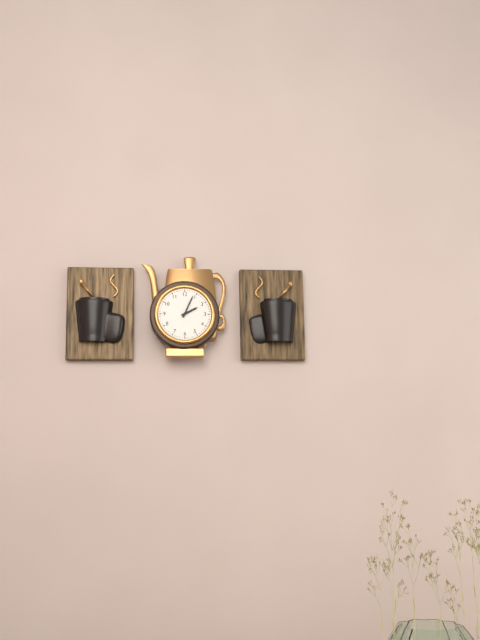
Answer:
2,04
